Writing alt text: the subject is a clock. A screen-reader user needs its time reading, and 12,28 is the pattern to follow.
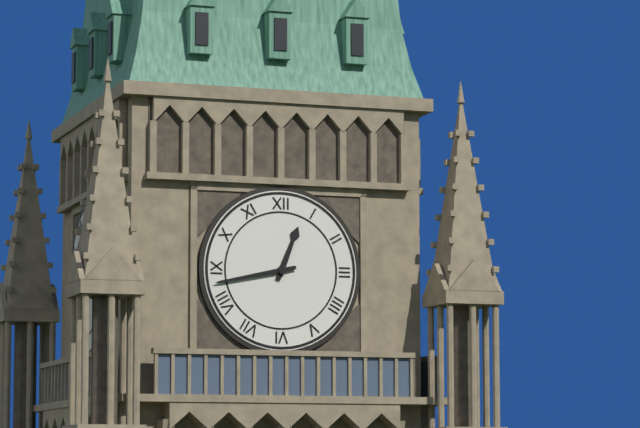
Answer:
12,43
